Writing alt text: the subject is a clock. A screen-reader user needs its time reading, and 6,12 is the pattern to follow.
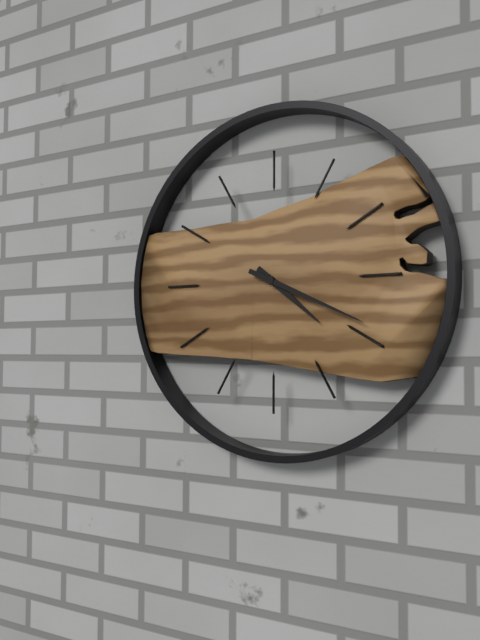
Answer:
4,19
